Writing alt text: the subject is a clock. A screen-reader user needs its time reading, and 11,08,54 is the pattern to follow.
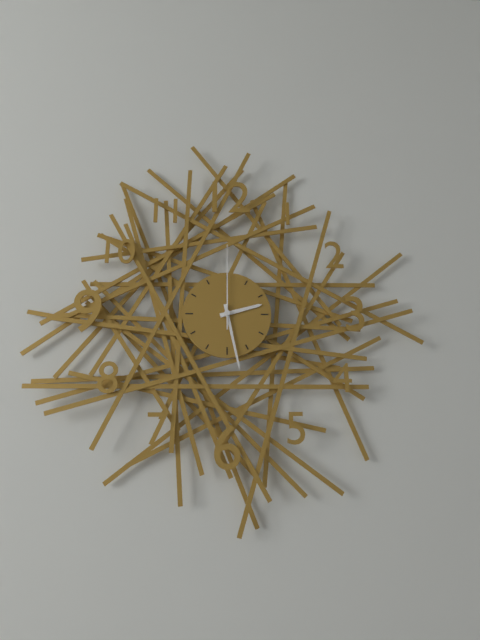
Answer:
2,28,00
